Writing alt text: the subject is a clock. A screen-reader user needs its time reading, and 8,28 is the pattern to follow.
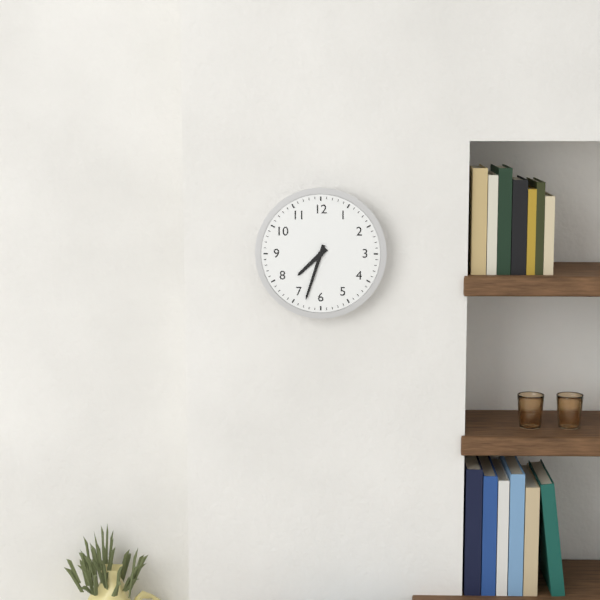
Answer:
7,33
